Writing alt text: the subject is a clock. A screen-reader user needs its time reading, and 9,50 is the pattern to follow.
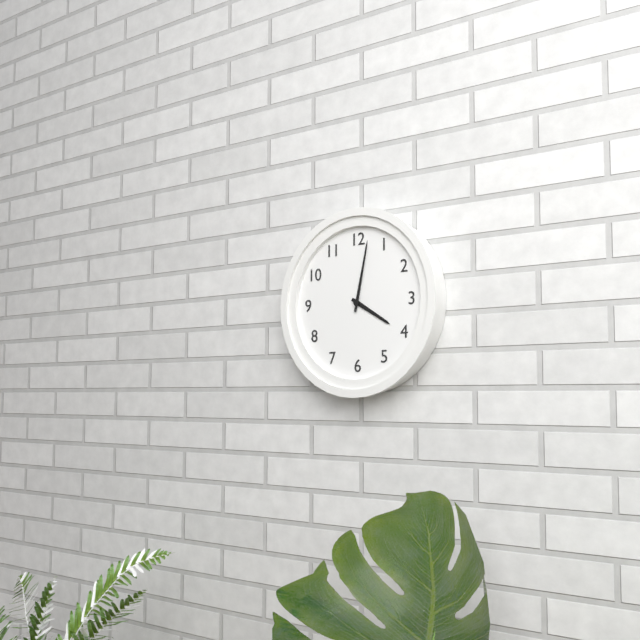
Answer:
4,02
